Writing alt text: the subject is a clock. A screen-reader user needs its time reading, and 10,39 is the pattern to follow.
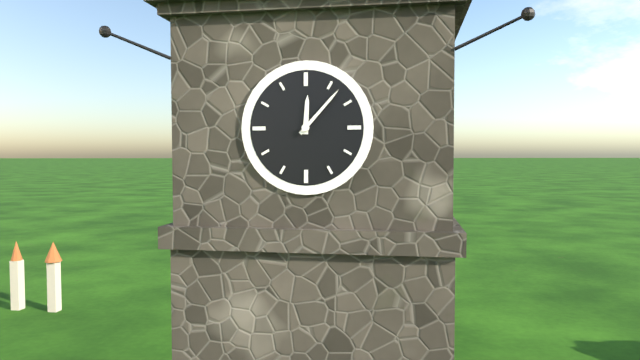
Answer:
12,07
